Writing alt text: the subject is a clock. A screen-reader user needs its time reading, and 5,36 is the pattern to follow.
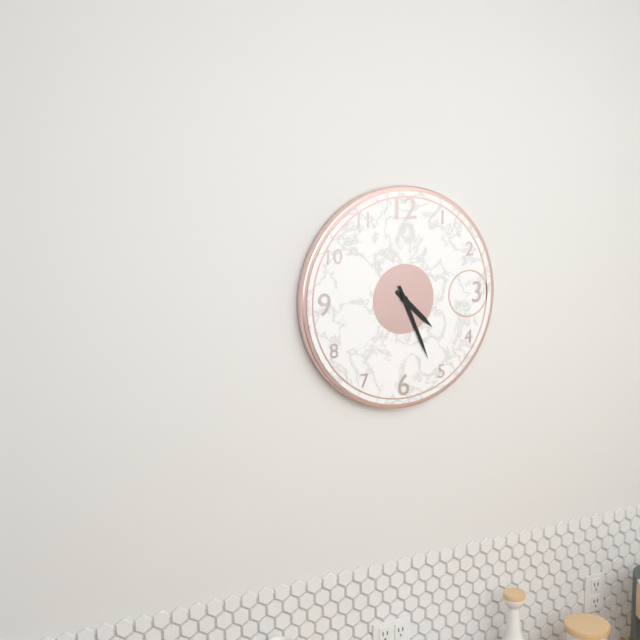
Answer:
4,26
